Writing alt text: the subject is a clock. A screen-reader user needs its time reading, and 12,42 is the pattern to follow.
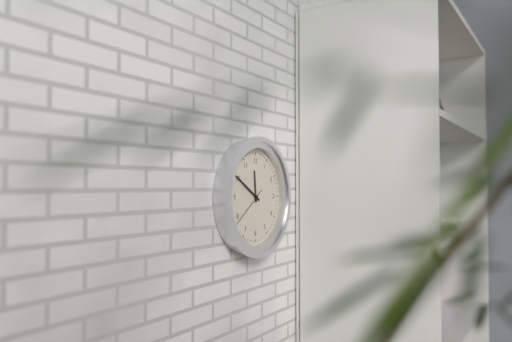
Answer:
11,50
